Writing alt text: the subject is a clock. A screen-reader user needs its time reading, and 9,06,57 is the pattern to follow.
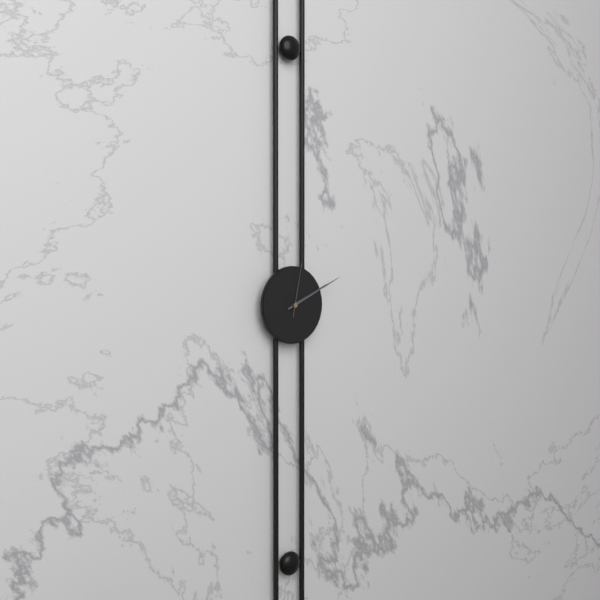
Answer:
2,11,02
